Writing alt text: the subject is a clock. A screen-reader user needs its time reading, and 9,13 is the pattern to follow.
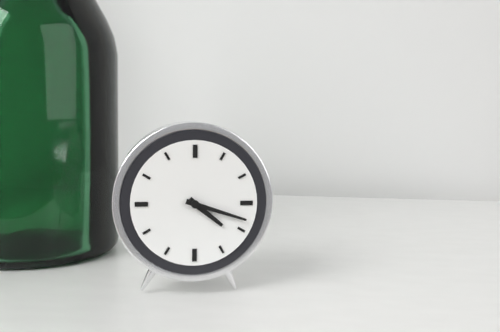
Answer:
4,18
